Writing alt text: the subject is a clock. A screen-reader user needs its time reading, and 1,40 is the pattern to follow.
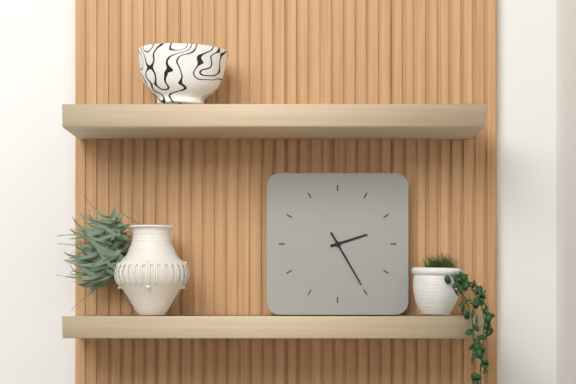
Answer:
2,25
